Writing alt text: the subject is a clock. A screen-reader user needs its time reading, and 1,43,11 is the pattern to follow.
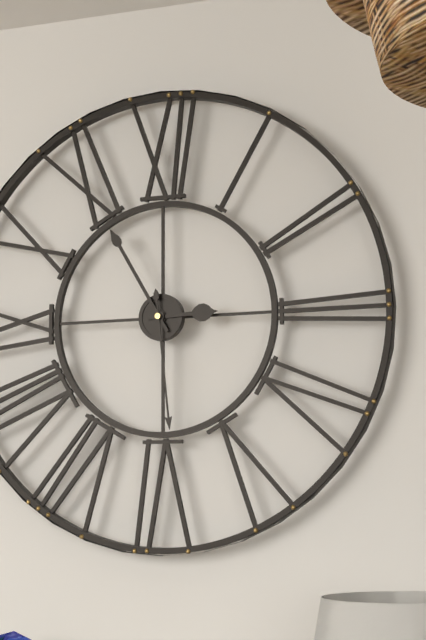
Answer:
2,55,29
